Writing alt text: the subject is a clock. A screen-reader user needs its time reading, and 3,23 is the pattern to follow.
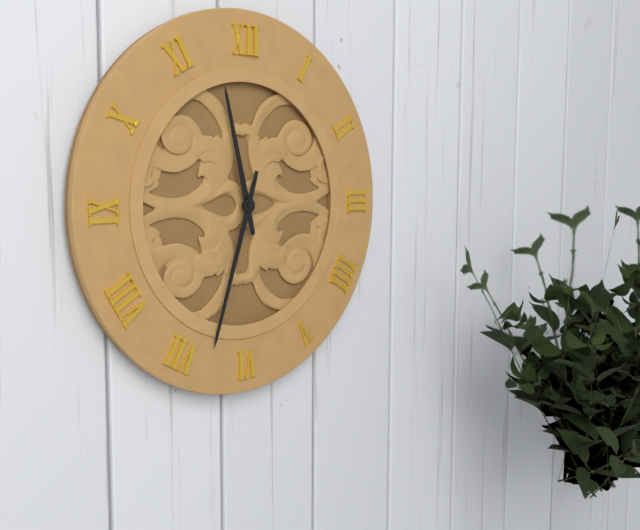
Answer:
11,33
